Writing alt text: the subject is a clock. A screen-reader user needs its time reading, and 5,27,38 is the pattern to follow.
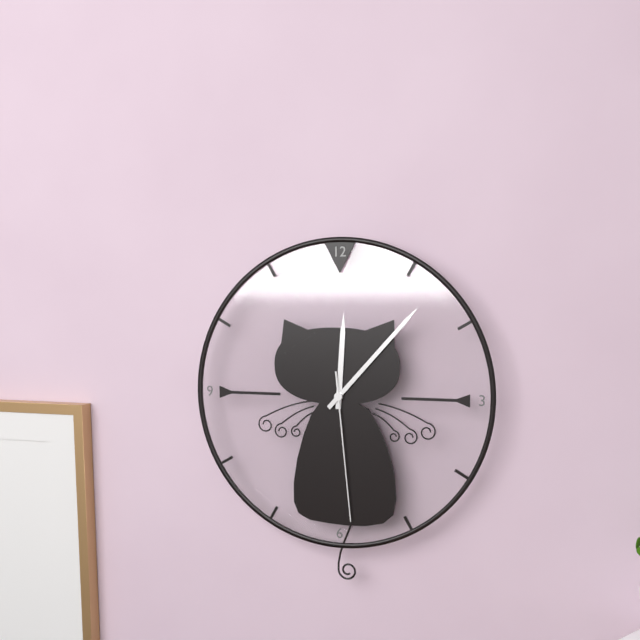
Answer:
12,07,29
